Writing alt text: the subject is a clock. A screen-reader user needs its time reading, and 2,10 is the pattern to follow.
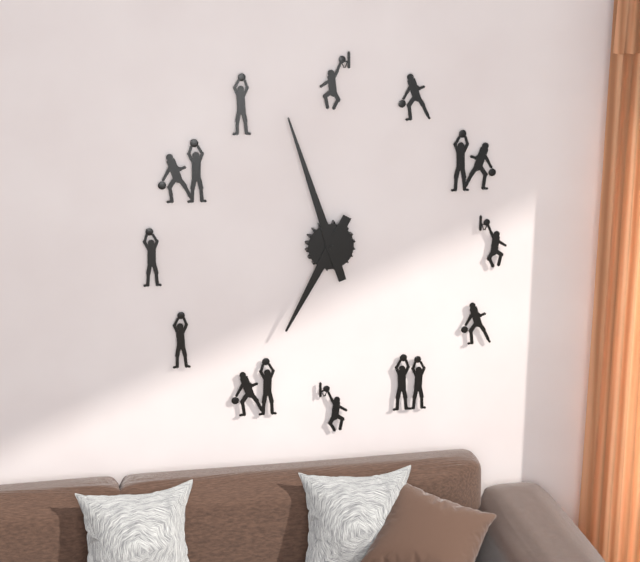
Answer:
6,57
